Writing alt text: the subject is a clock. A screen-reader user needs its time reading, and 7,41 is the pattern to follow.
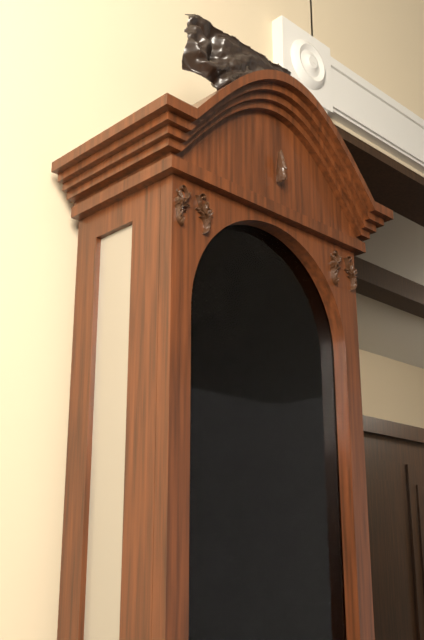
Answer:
8,28
